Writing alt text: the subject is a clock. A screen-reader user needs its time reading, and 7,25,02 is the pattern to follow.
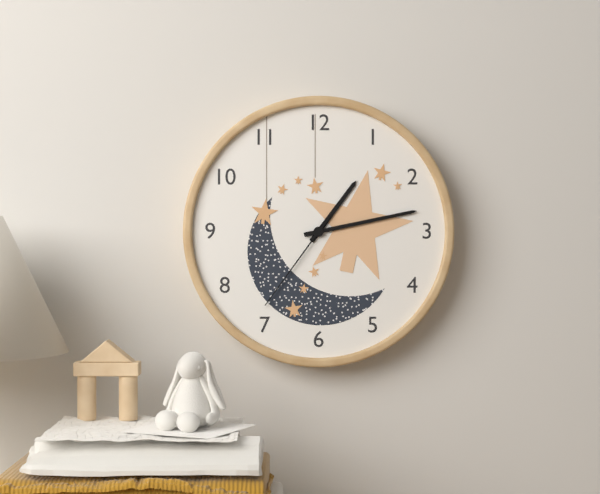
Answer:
1,13,36
